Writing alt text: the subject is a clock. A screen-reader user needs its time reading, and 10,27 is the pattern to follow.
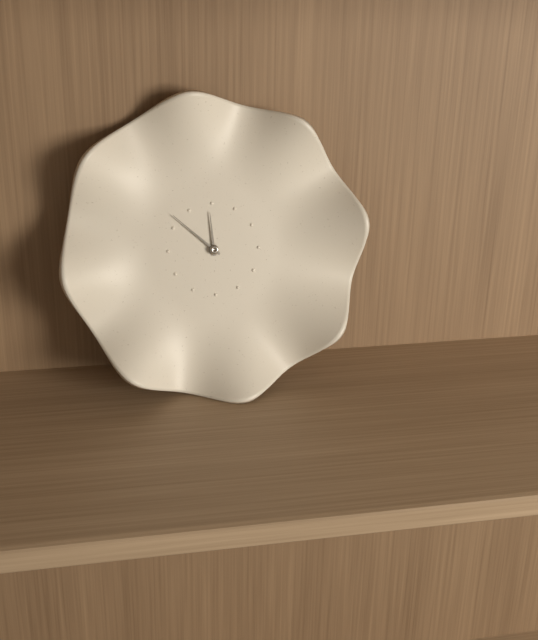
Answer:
11,52
